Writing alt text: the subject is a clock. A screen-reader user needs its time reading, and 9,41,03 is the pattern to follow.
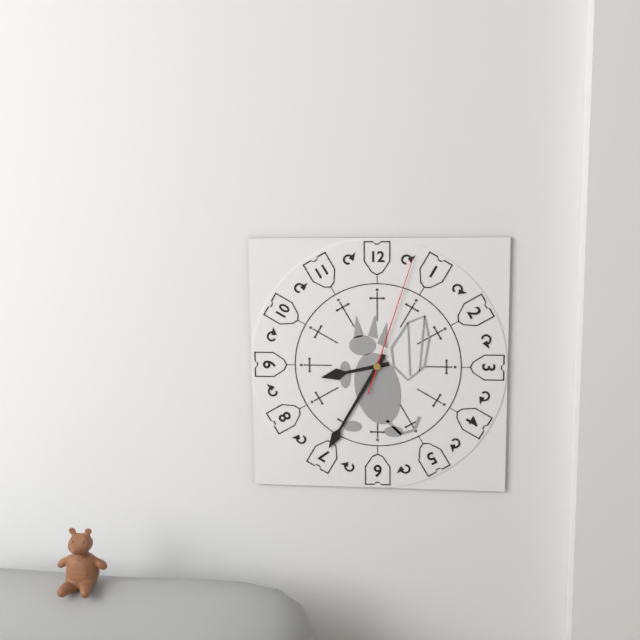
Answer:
8,35,03
